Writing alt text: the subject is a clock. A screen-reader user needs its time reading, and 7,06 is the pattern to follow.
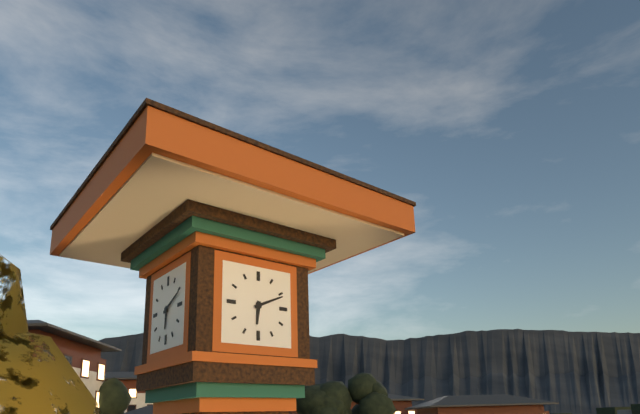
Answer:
6,11
